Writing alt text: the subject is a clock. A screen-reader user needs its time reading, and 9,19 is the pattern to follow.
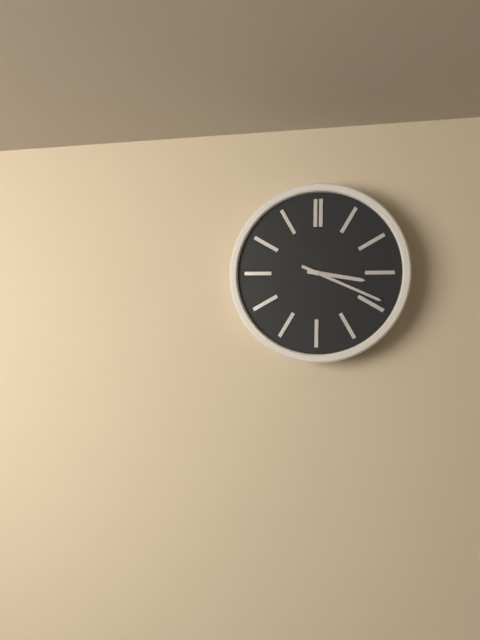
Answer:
3,19
